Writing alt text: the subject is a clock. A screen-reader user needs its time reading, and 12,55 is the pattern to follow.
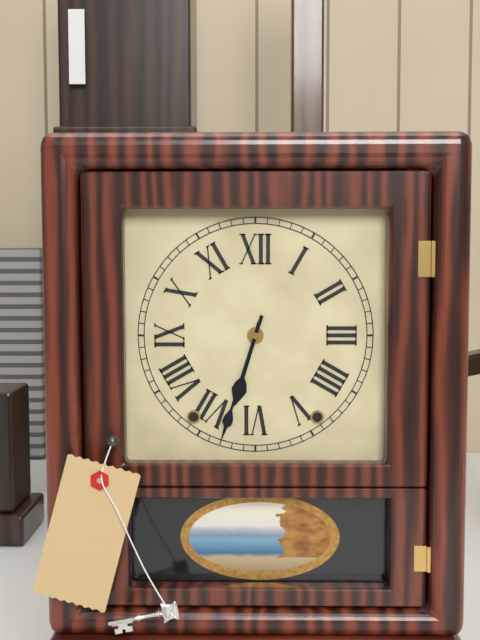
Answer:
6,33
